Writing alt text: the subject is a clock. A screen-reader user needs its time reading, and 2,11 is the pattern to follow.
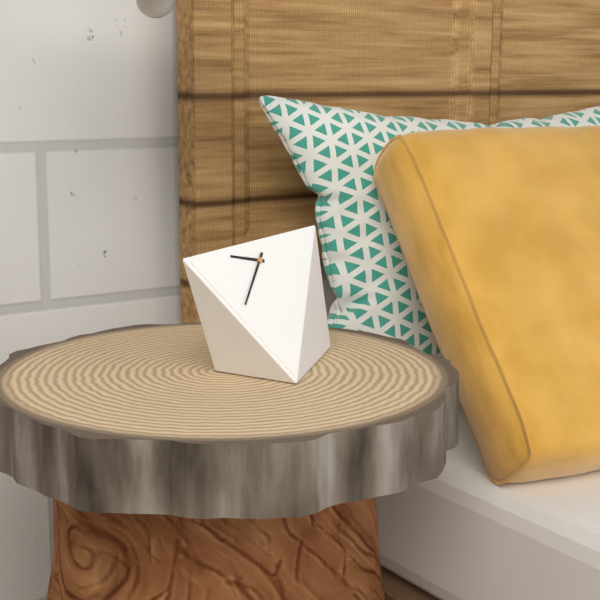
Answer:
9,37
